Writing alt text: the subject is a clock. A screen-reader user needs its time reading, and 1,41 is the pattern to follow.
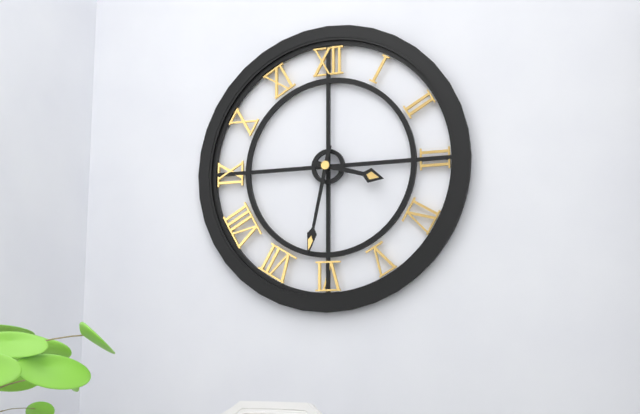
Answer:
3,32
